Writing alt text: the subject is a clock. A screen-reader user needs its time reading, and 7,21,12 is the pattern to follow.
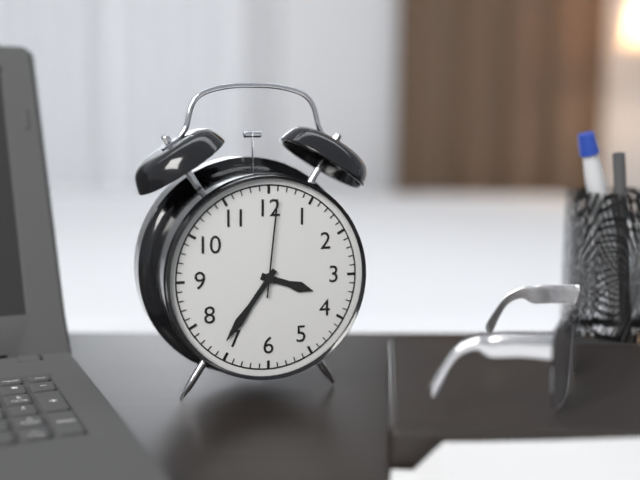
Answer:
3,36,01
